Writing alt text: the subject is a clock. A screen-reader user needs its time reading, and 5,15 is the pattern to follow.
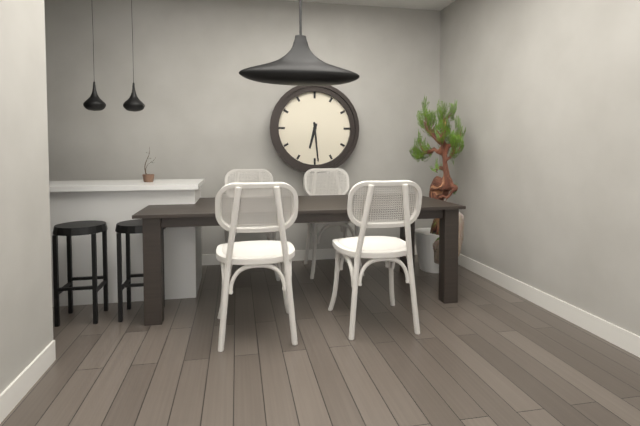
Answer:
6,29
